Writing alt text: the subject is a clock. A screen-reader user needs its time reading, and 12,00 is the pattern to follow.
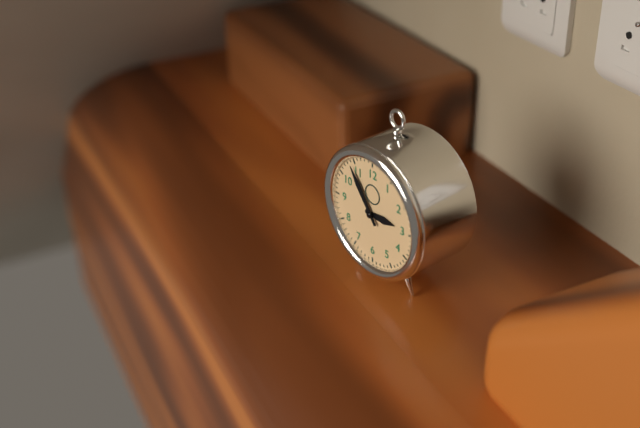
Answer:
2,54
